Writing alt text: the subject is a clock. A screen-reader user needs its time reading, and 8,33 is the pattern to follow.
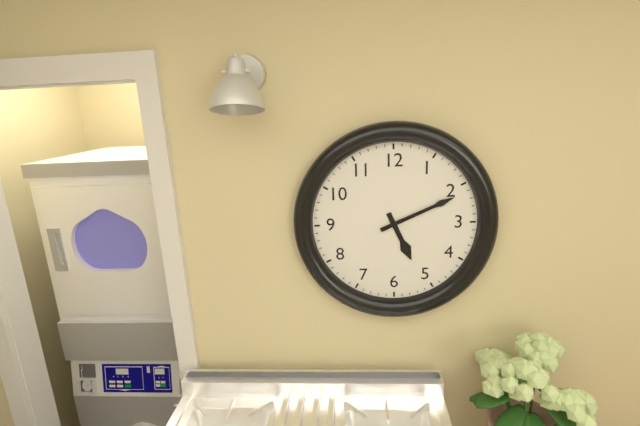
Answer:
5,11
